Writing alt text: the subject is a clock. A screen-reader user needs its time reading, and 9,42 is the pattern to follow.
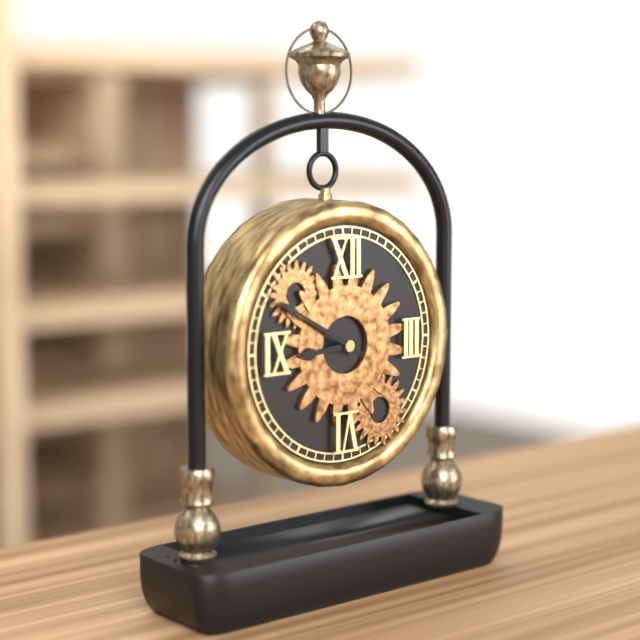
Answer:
8,50
